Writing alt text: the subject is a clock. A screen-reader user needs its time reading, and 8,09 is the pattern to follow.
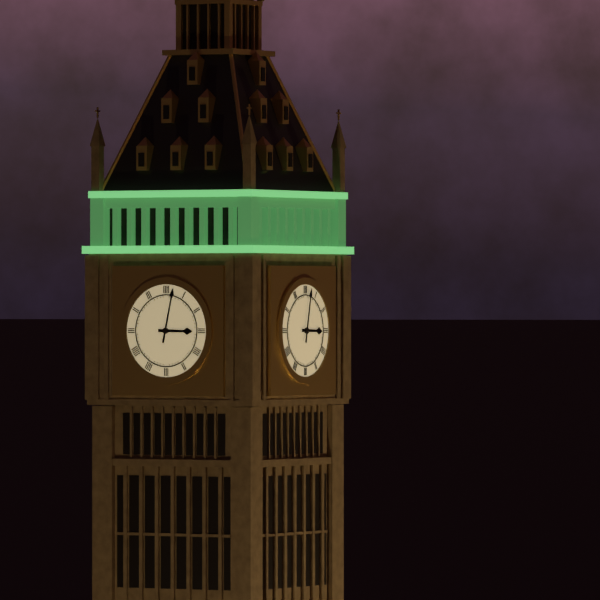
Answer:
3,02
